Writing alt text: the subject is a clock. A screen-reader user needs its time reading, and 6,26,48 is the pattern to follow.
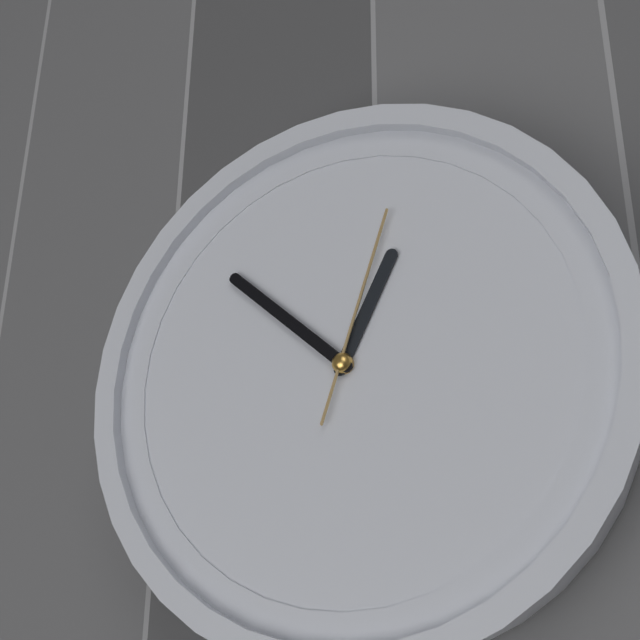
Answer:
12,52,03
